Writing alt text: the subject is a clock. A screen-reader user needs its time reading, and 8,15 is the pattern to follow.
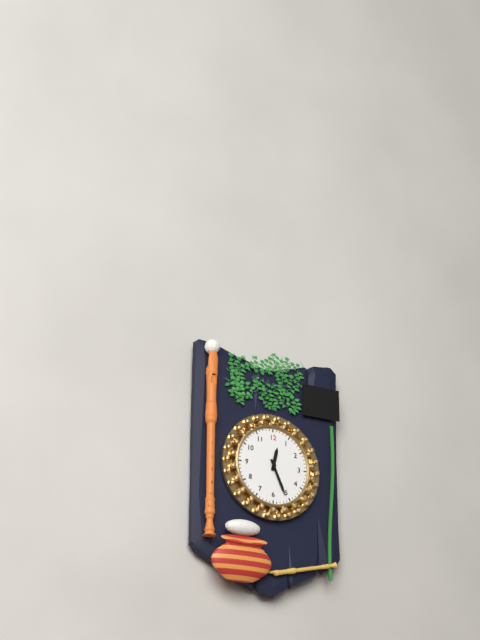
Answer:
12,26
